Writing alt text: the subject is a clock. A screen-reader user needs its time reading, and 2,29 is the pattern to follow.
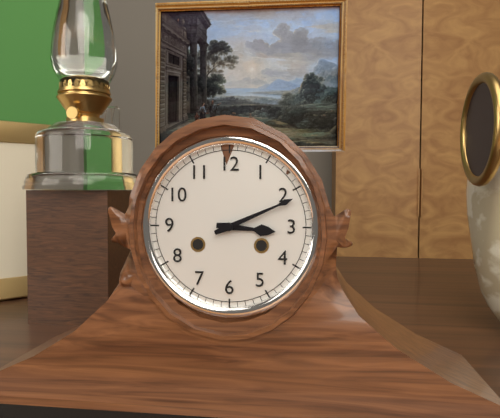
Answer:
3,11
